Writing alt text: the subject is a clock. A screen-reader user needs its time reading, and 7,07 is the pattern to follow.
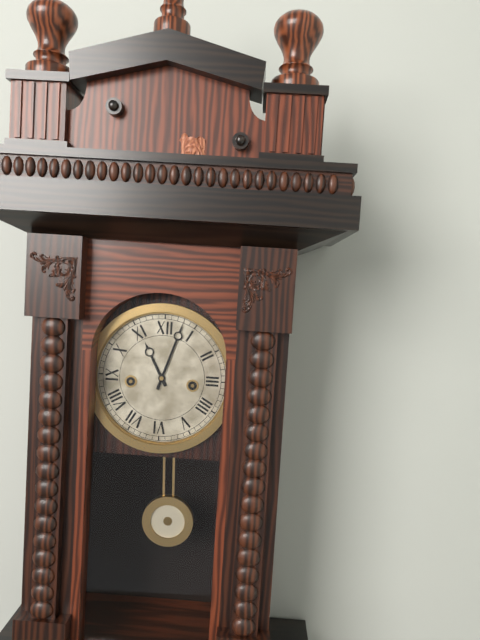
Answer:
11,03
